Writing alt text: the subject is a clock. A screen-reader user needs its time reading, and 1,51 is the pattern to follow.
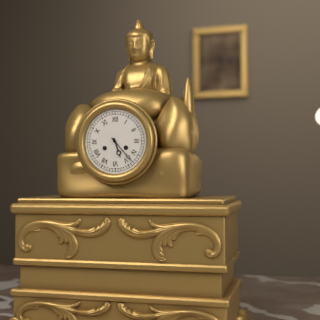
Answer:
5,23
